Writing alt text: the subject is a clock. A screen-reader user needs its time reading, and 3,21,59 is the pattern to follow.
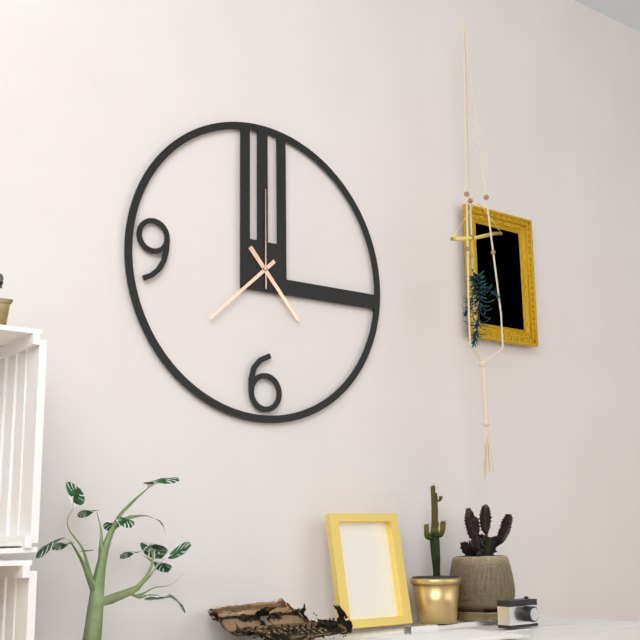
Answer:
4,38,00
